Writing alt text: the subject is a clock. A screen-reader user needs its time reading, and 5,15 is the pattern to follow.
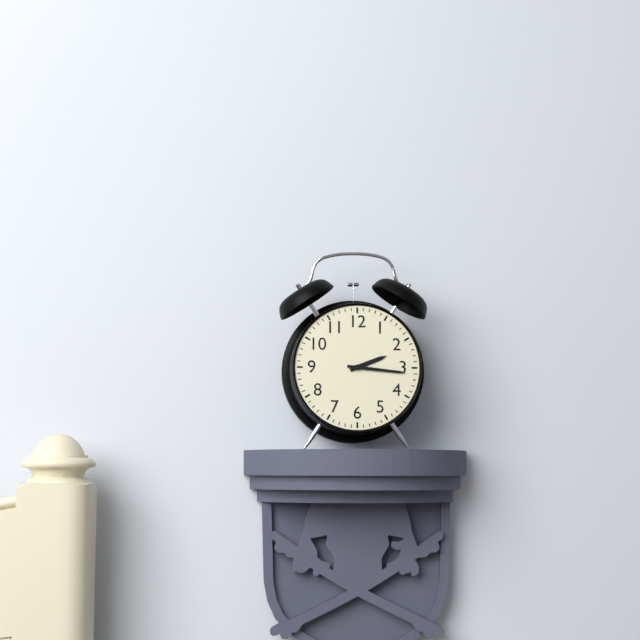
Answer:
2,16
